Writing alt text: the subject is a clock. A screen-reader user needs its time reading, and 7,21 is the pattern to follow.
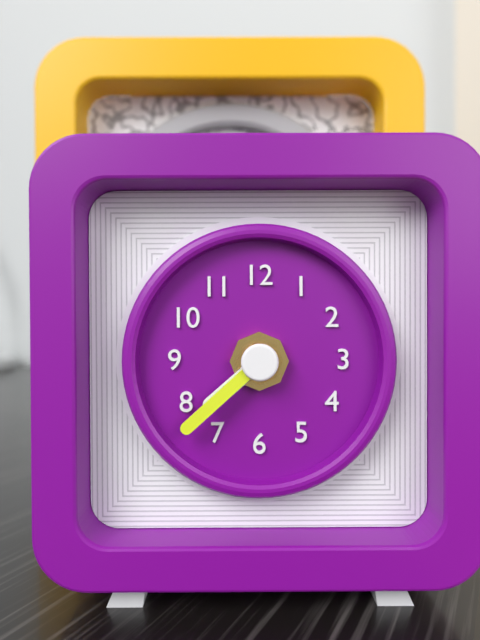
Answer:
7,38
